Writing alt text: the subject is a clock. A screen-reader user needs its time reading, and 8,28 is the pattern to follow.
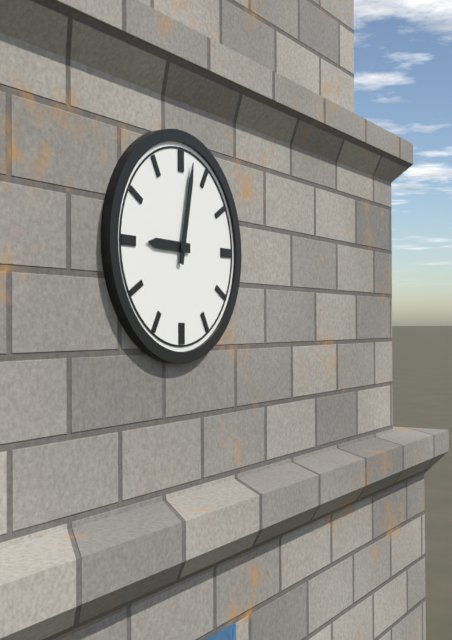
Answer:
9,02
